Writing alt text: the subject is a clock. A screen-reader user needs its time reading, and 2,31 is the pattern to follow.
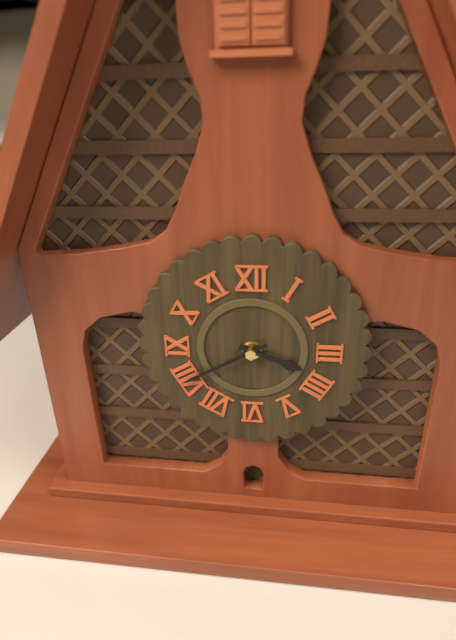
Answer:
3,40
